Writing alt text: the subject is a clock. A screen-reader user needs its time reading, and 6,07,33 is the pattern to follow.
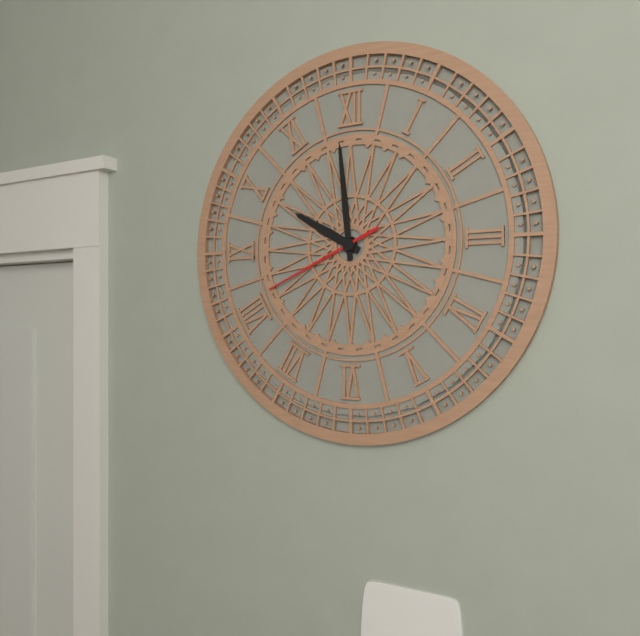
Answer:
9,59,41
